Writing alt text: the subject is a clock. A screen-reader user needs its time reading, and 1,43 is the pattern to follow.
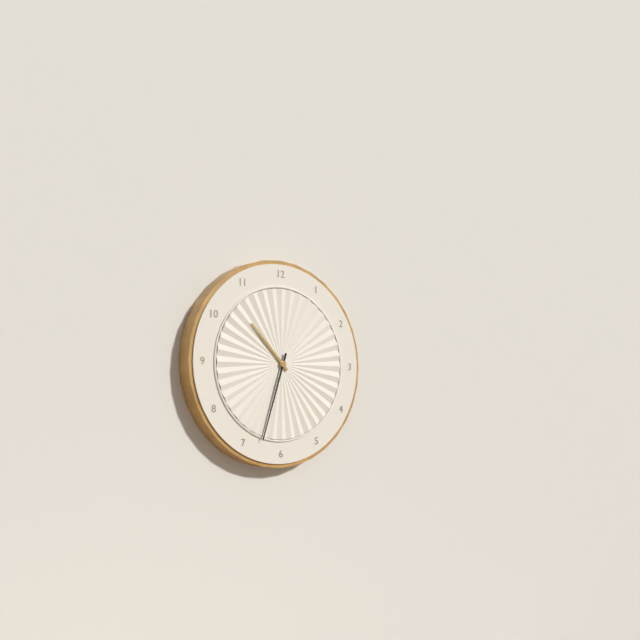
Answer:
10,33
